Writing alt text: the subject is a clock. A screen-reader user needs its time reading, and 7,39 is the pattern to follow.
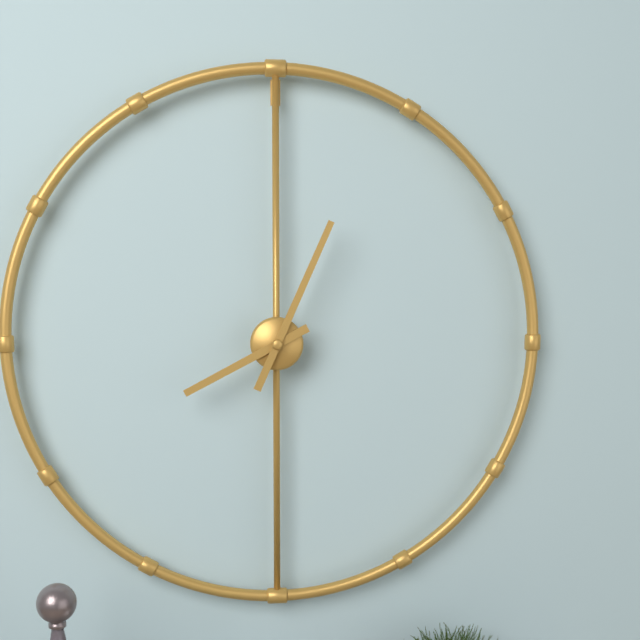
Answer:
8,04
